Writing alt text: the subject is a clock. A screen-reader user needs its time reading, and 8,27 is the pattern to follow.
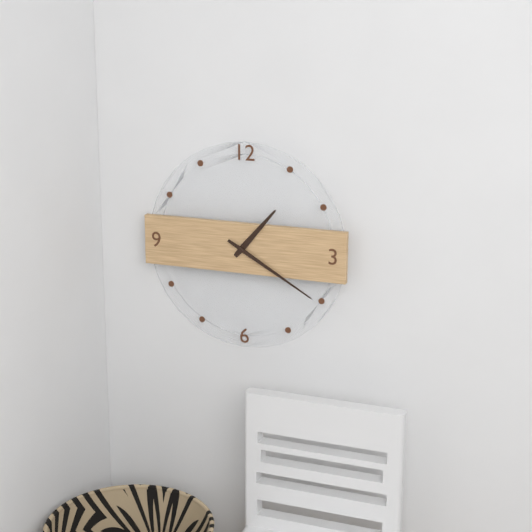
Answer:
1,20
